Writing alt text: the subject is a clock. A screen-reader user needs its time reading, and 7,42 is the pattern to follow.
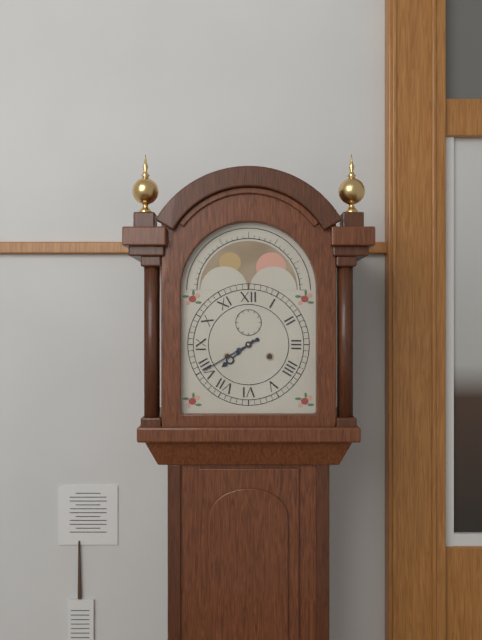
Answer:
7,40
